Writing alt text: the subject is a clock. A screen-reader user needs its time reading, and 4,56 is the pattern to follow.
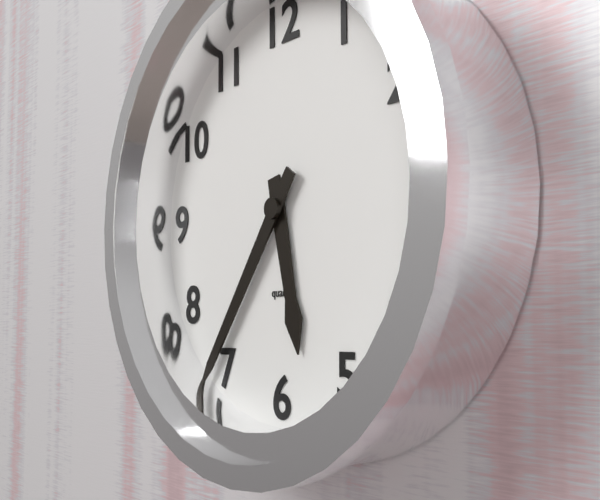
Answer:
5,36
